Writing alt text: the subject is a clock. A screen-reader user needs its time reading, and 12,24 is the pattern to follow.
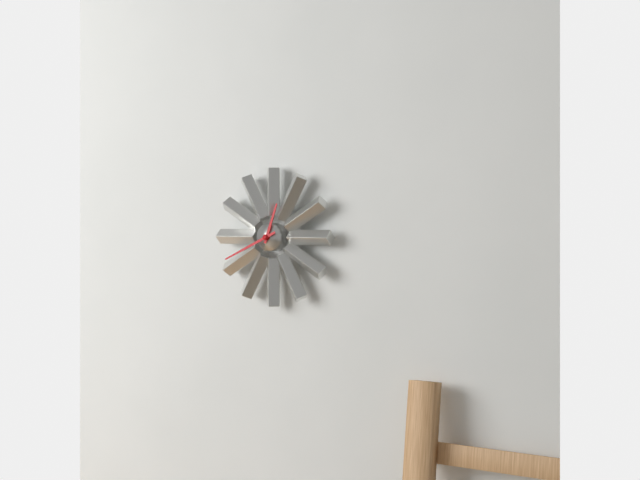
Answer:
12,41
